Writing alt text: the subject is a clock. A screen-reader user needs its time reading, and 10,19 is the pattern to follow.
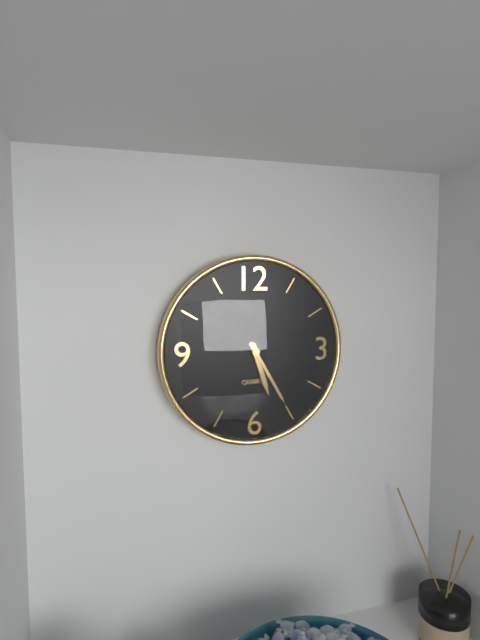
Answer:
5,25
